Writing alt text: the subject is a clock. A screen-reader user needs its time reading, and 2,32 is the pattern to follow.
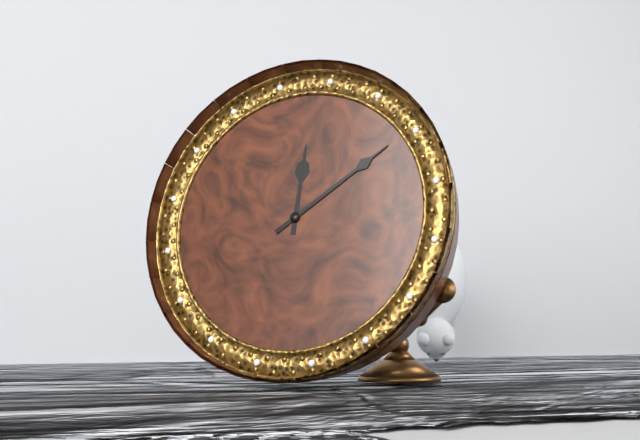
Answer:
12,09
